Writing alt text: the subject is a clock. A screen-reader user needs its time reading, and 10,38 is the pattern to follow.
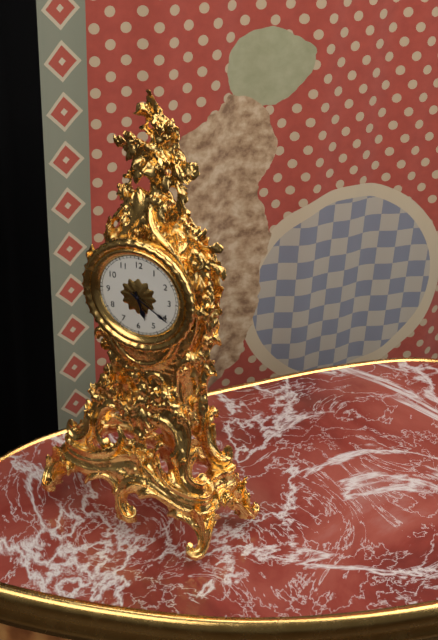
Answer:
5,20
